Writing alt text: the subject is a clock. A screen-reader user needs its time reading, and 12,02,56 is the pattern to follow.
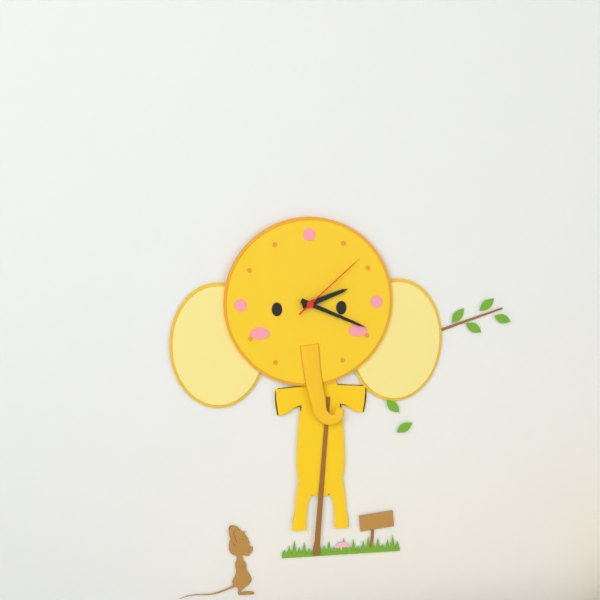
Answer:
2,19,08
